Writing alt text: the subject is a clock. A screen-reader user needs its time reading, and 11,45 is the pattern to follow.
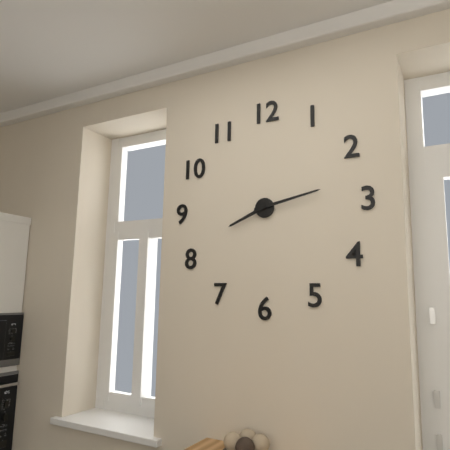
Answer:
8,13
